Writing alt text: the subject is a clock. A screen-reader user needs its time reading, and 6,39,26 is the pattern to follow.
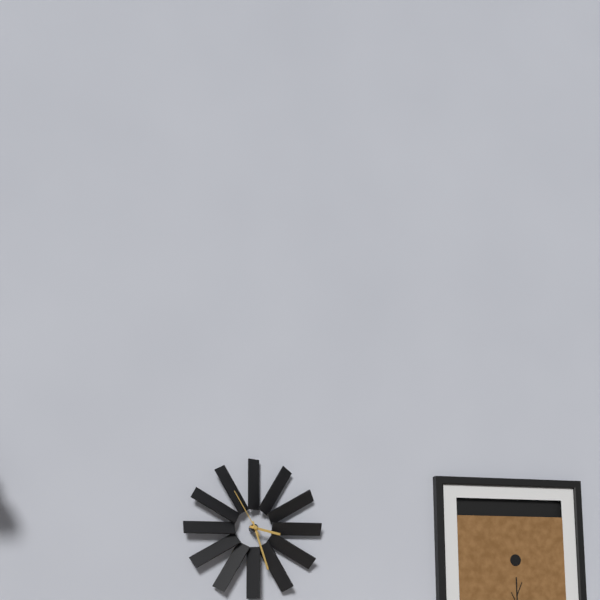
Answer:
3,27,55
